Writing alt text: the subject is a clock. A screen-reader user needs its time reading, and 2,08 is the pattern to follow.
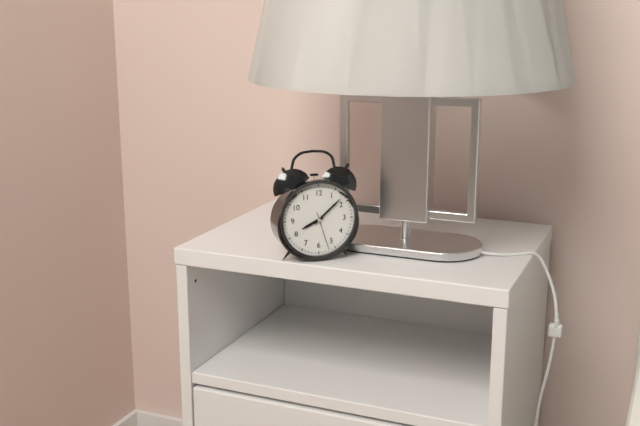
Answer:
8,08
